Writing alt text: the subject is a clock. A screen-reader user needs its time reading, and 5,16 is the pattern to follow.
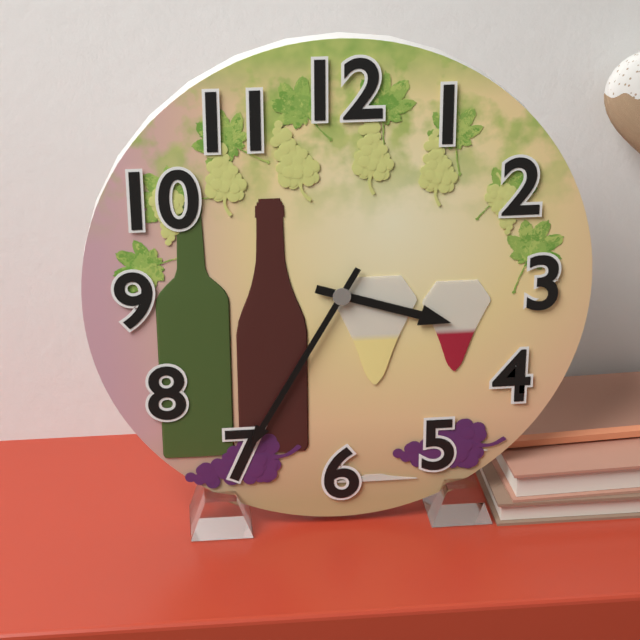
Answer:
3,35
